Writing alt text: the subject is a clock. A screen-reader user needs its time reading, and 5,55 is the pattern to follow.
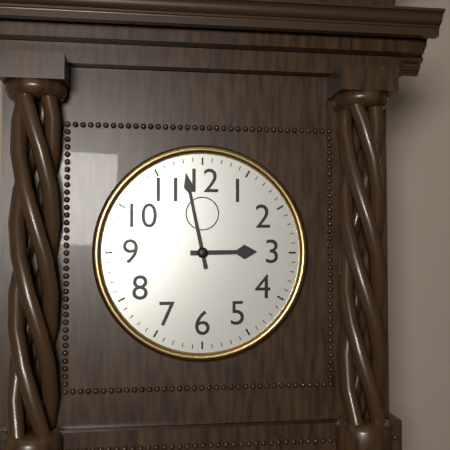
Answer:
2,58
